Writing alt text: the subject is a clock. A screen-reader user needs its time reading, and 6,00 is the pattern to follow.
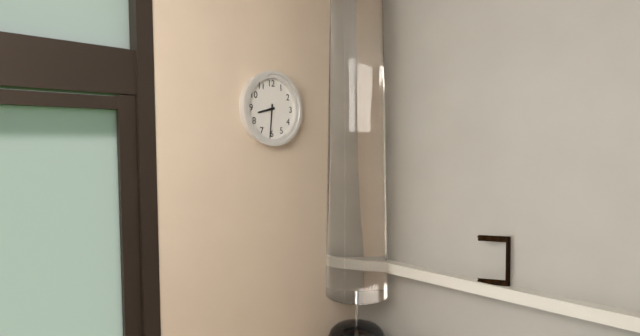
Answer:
8,31
